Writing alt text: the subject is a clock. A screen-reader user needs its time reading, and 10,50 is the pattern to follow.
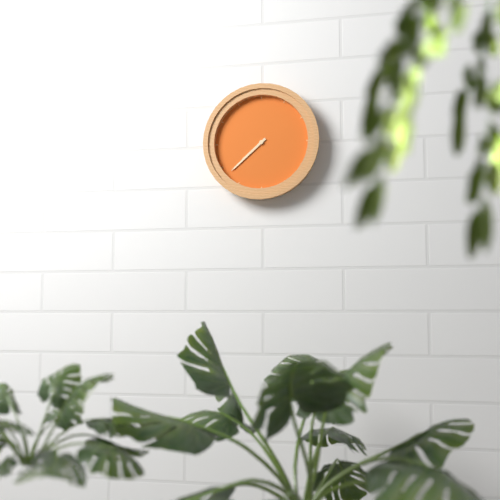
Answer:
7,38
